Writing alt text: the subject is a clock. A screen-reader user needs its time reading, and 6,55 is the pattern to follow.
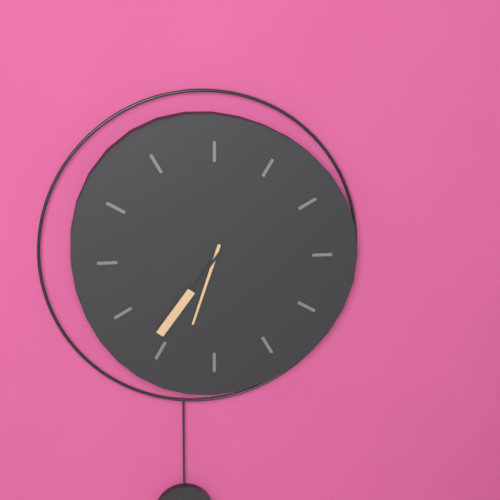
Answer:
6,36
